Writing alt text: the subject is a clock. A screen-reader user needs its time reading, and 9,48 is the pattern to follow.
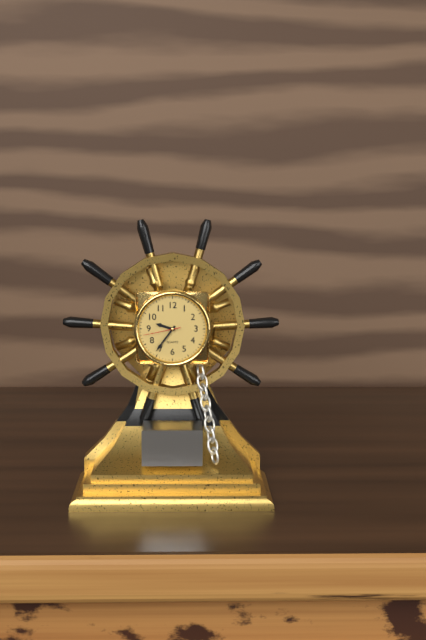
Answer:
9,36
